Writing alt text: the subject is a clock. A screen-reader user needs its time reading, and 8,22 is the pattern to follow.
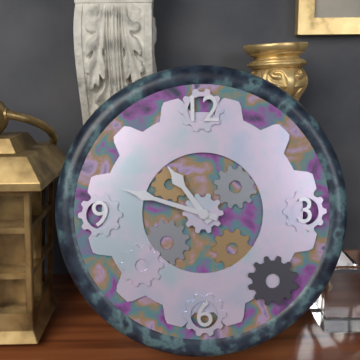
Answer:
10,48
